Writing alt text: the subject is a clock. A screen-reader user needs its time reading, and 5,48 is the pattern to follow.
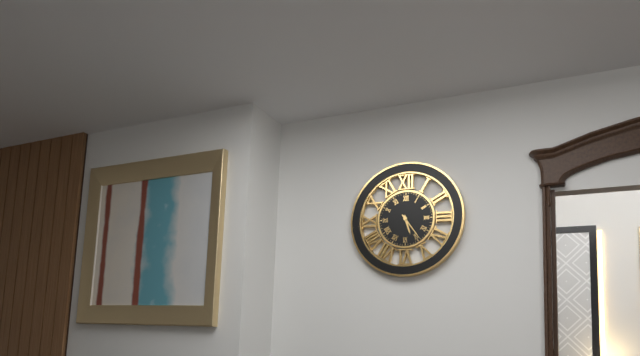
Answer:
5,24
